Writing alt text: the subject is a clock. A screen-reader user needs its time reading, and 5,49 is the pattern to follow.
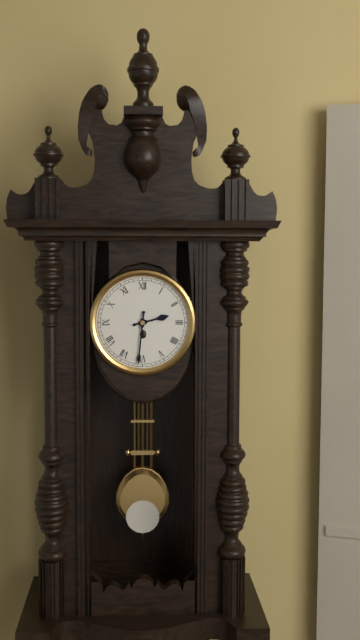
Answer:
2,31
